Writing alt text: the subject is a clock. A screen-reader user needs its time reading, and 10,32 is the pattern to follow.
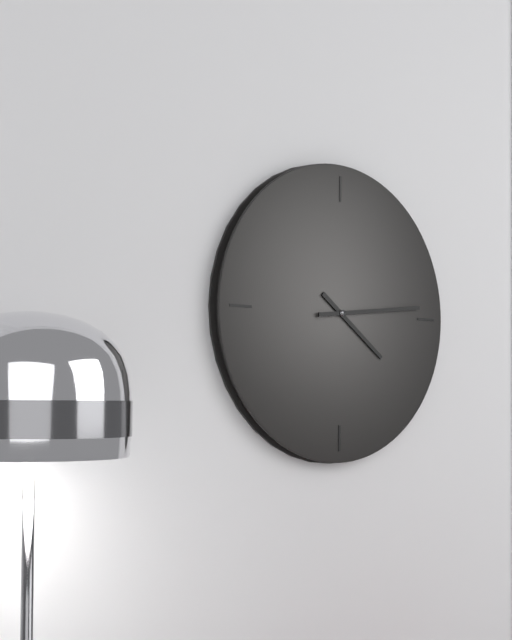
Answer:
4,14
